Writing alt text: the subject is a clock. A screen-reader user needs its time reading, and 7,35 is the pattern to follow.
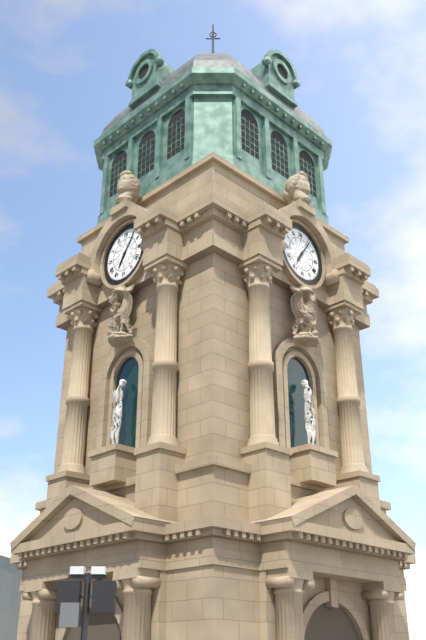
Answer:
7,06
